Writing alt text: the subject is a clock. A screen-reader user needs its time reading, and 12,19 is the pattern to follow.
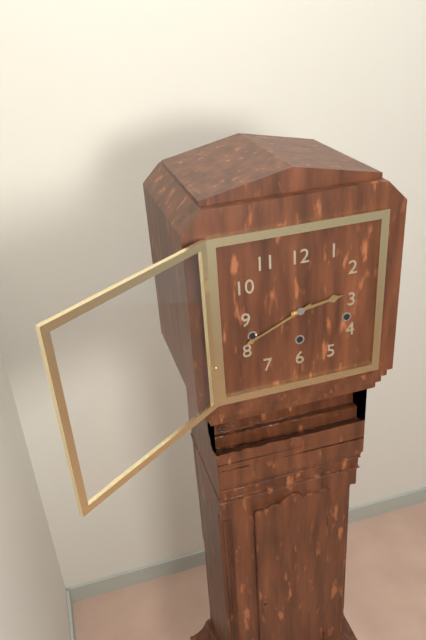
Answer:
2,41
